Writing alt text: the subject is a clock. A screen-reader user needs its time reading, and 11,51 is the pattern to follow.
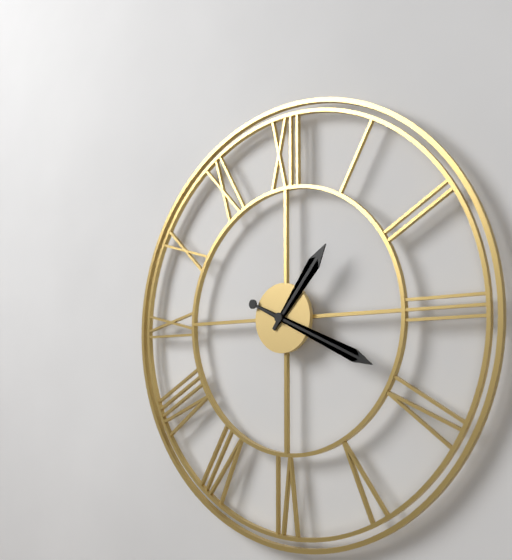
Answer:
1,19
